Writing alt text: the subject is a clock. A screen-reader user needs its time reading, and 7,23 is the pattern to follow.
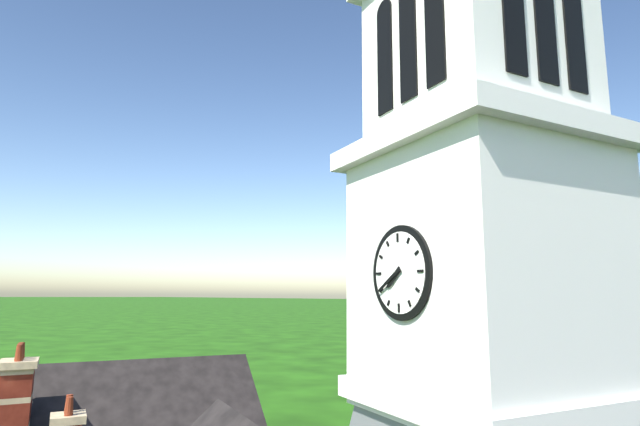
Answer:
7,40
